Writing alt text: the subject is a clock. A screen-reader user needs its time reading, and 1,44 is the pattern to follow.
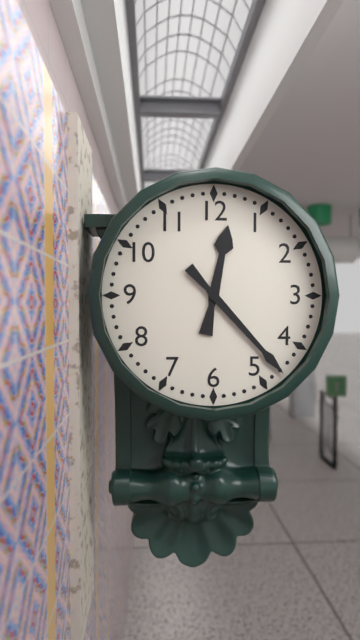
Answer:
12,23
